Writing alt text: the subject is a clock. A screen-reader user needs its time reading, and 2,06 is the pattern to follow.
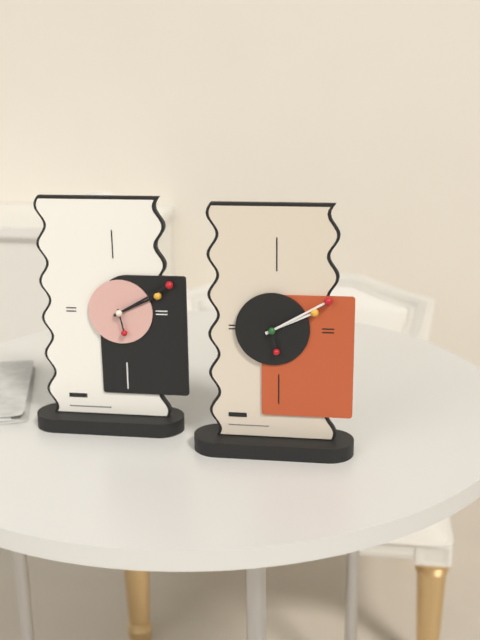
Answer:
2,10
